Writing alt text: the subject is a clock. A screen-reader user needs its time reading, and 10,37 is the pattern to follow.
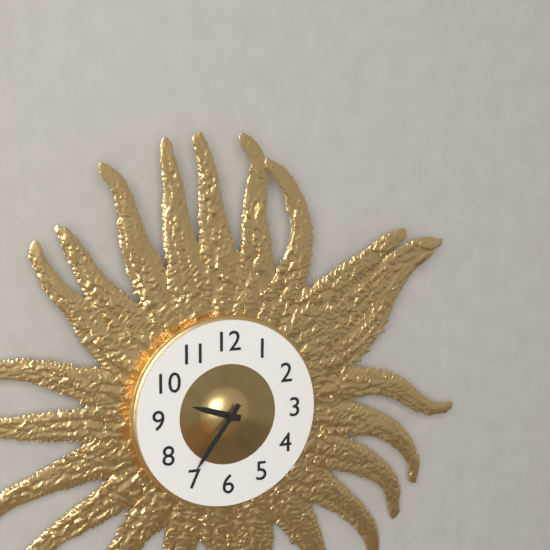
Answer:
9,36
